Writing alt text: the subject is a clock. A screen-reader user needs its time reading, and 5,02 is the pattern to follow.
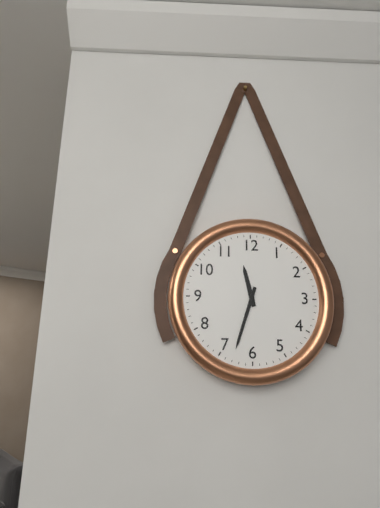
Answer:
11,33
